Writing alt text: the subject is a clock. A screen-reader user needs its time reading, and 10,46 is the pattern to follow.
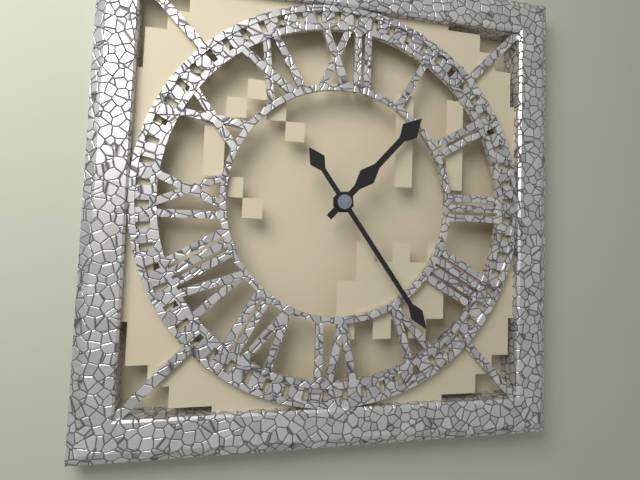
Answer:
1,24
